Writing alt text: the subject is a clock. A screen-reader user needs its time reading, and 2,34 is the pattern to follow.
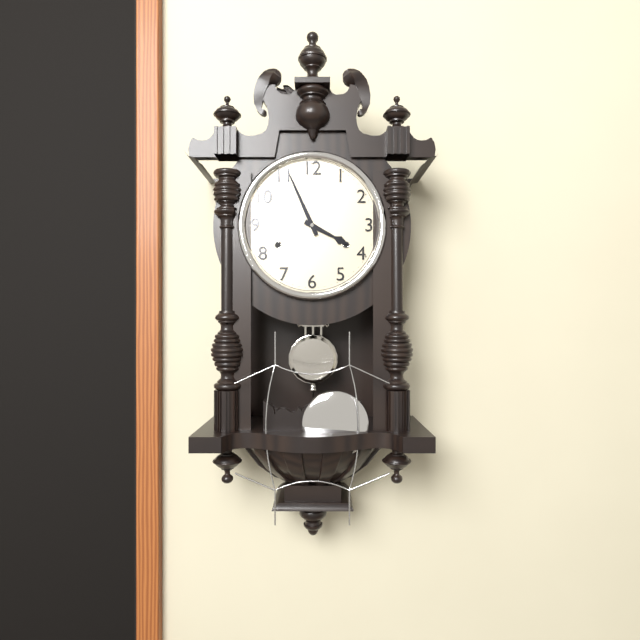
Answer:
3,56
